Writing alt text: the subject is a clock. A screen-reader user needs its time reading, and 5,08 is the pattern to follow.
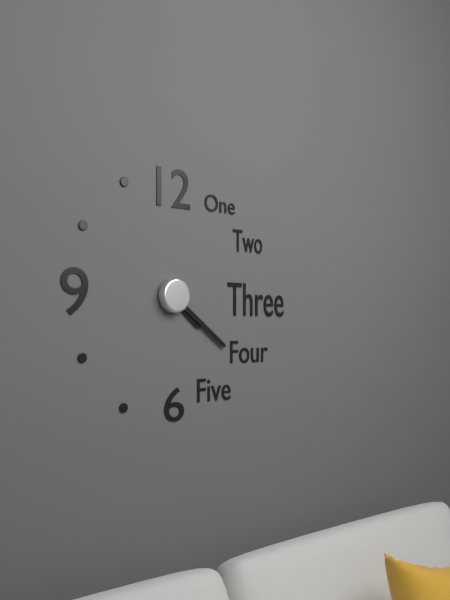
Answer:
4,21
